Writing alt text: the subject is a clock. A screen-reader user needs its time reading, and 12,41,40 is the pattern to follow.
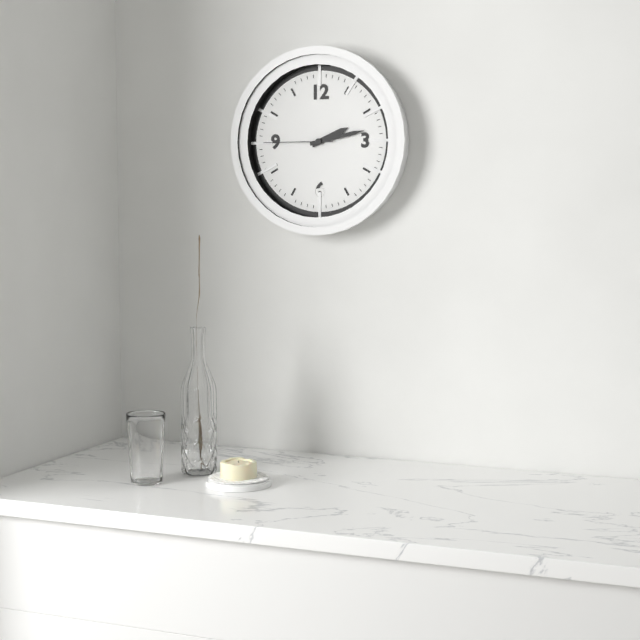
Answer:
2,13,45
